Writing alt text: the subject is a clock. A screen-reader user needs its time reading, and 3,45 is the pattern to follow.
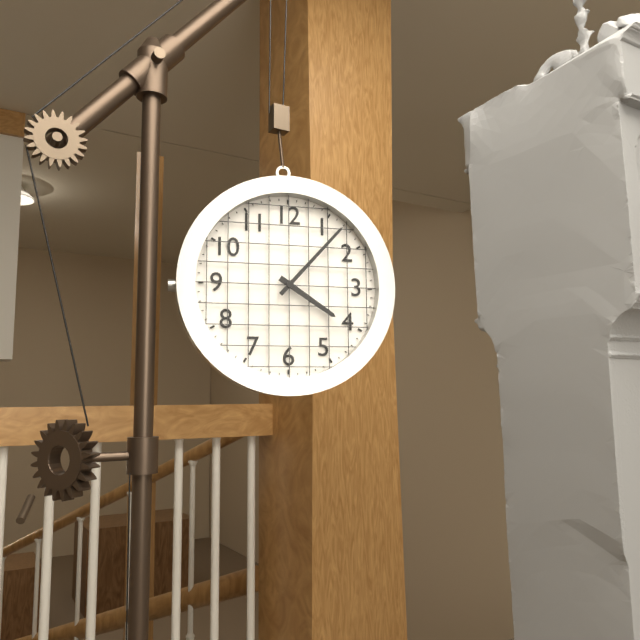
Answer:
4,07
